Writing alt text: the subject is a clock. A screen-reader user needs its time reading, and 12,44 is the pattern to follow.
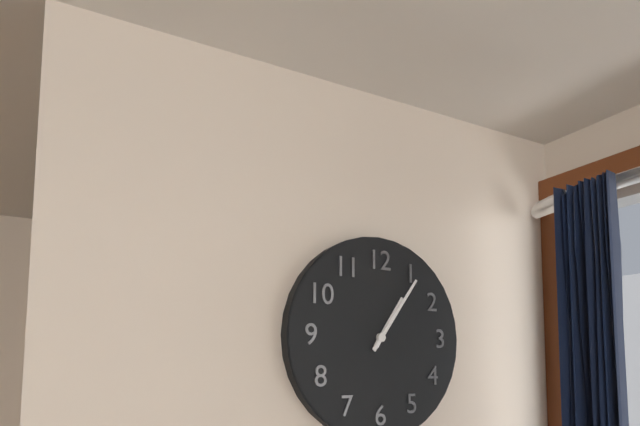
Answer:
1,06
